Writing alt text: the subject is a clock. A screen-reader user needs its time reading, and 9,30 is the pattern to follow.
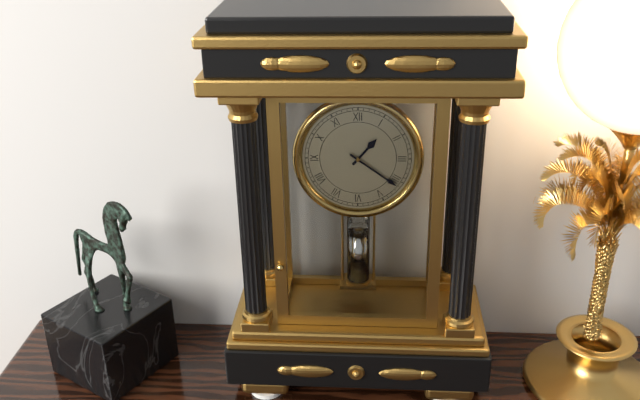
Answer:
1,21
